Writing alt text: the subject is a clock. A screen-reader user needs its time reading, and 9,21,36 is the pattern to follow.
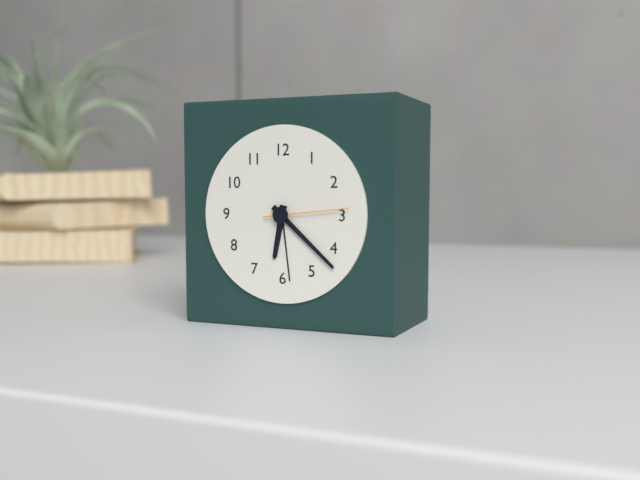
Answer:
6,22,14
